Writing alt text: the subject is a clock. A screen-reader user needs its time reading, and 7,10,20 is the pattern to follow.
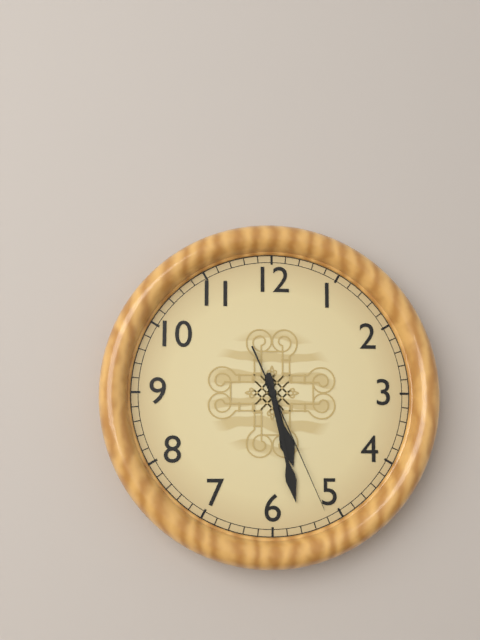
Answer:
5,28,26
